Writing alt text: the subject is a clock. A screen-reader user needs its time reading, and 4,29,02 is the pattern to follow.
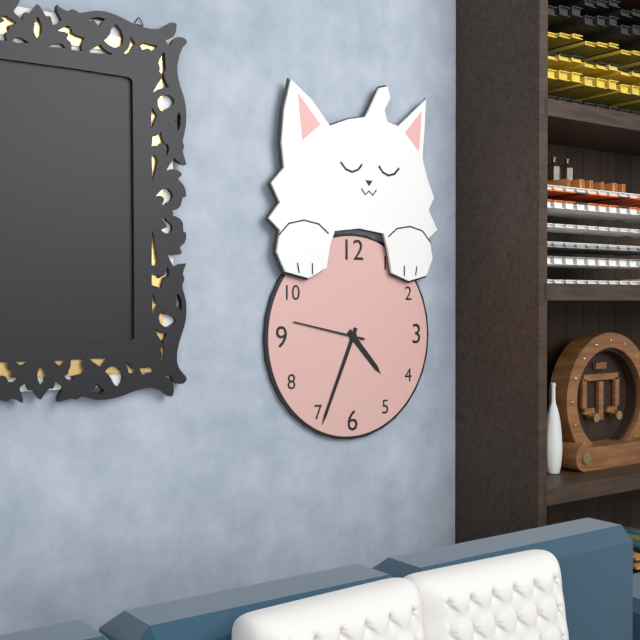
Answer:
4,34,47
